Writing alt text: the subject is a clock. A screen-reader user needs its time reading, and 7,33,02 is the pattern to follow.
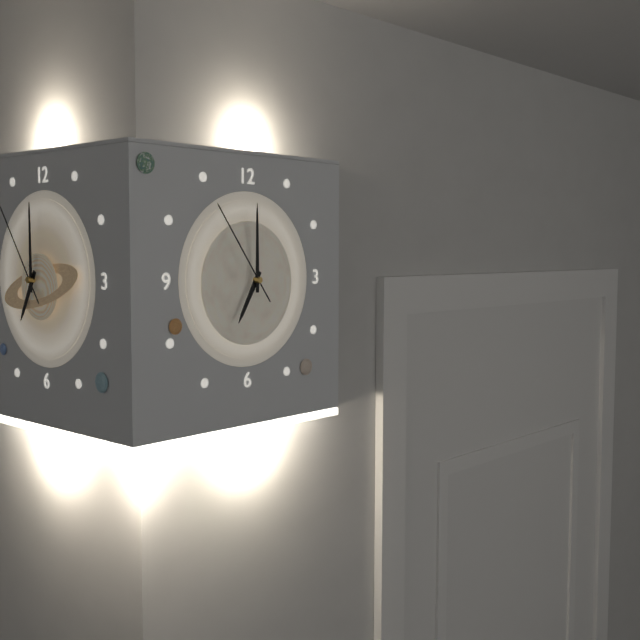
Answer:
7,00,54
